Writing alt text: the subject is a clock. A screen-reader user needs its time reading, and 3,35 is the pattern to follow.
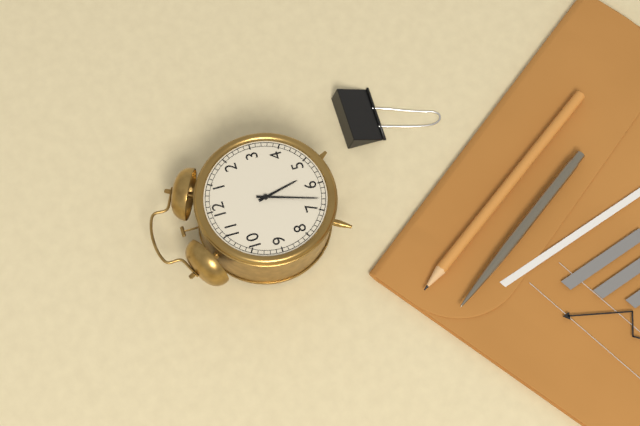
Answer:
5,33
